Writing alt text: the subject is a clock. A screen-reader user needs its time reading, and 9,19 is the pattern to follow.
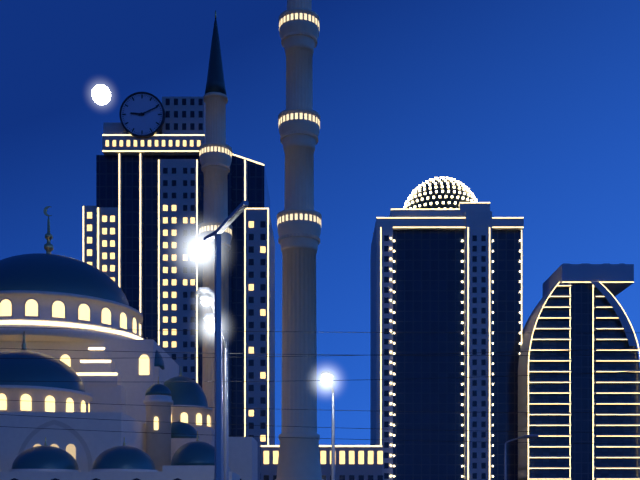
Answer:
9,11
